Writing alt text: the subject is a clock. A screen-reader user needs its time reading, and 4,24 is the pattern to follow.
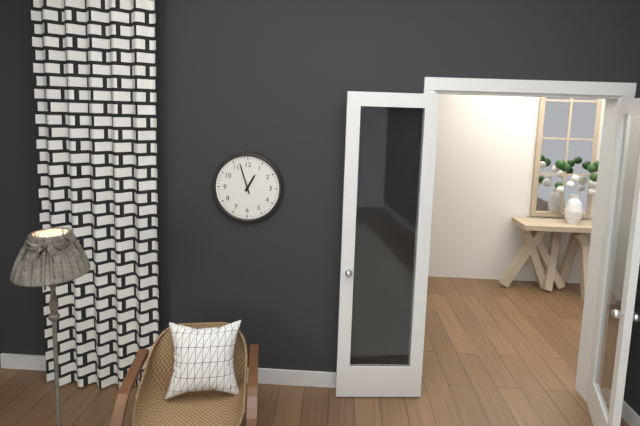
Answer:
12,57
